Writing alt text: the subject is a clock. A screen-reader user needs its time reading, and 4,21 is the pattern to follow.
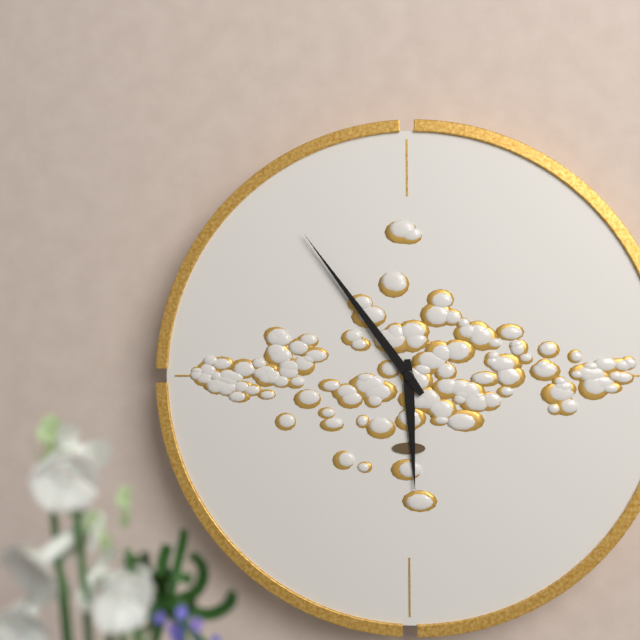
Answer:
5,54
